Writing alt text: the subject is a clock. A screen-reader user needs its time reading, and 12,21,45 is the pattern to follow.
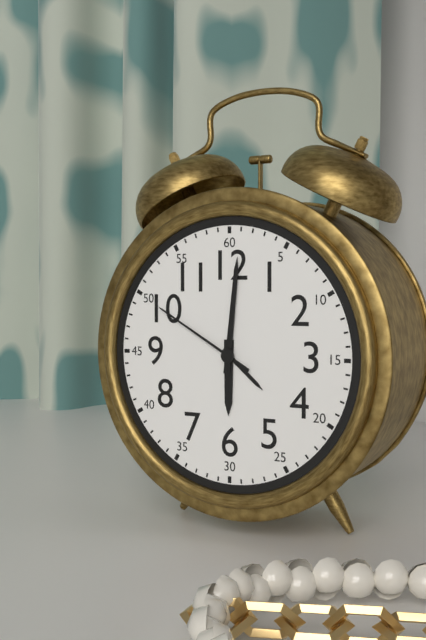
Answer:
6,01,50
